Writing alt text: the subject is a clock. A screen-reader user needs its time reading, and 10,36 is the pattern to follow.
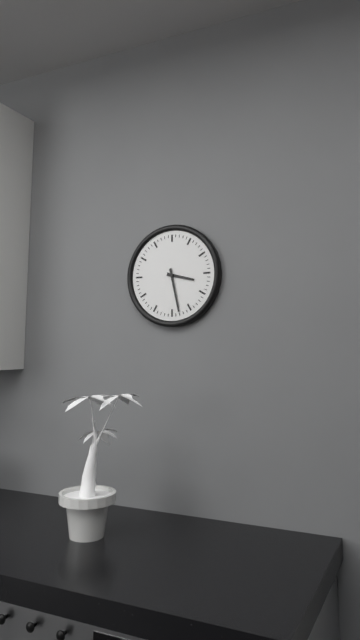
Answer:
3,28
